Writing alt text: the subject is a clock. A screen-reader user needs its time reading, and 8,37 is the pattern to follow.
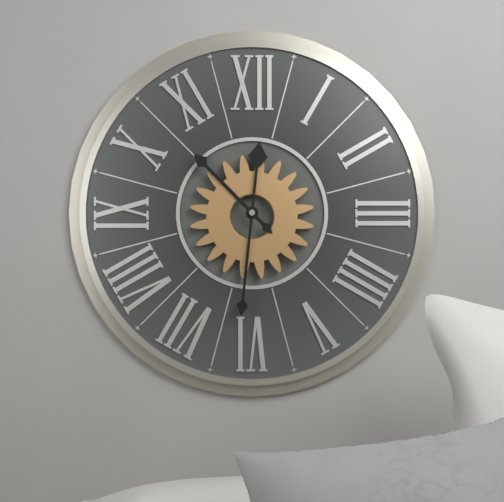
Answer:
10,31
